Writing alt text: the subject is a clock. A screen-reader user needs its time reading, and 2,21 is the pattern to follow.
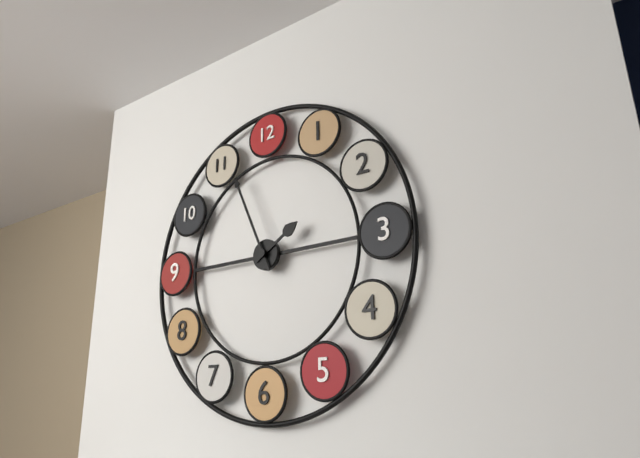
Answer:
1,56
